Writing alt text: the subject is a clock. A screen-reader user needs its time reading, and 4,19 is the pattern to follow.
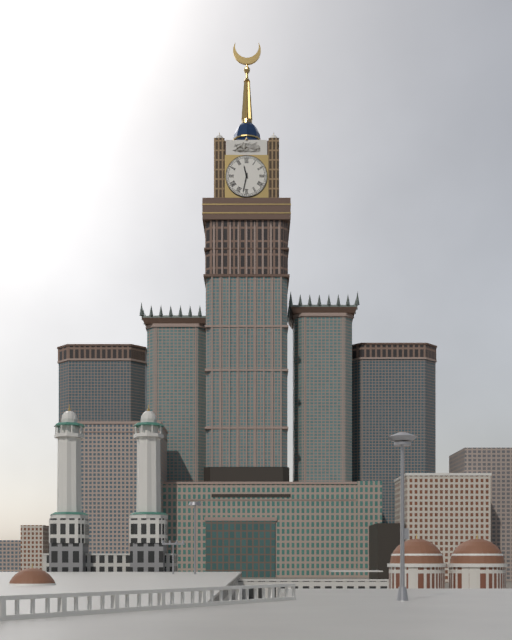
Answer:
11,32
